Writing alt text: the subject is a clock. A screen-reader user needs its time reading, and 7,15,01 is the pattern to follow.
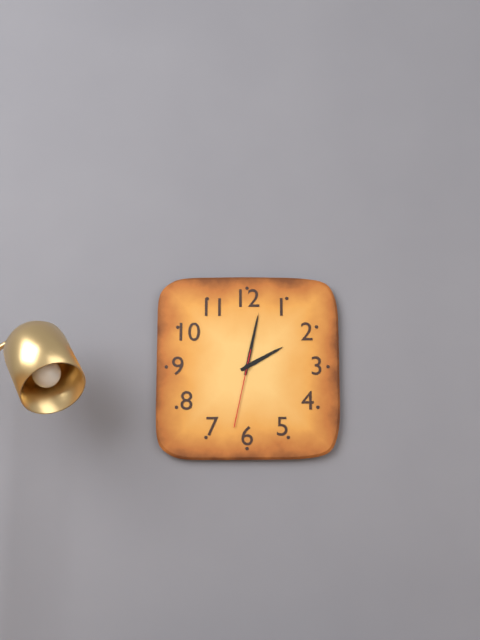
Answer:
2,02,32
